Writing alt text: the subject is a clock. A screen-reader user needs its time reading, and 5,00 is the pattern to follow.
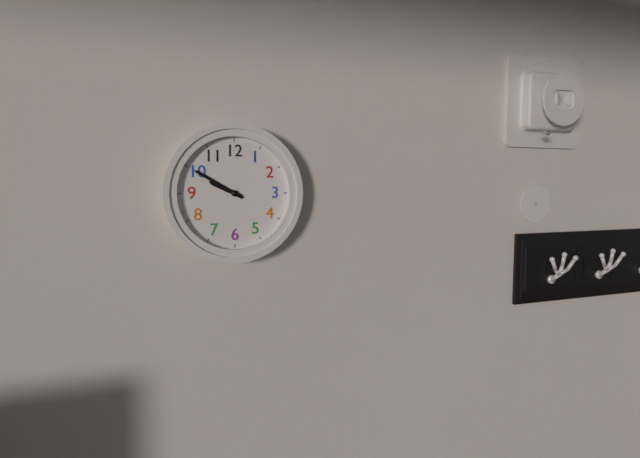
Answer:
9,50
